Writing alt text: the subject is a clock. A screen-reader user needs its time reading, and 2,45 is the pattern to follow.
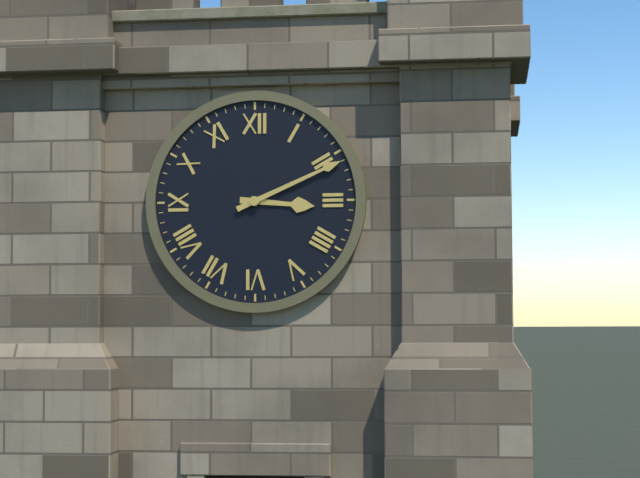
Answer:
3,11
